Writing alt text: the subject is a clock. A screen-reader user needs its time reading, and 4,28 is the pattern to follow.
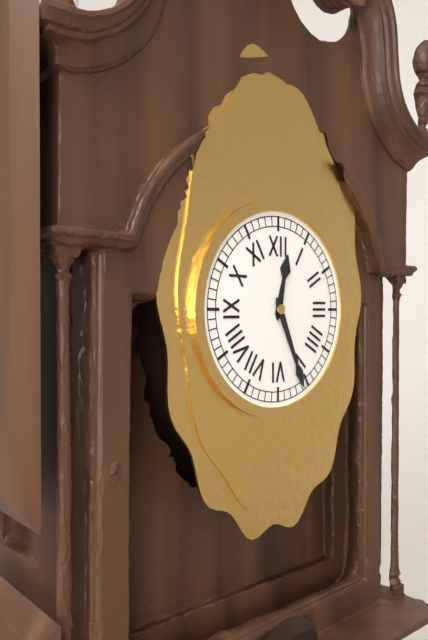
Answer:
12,26
